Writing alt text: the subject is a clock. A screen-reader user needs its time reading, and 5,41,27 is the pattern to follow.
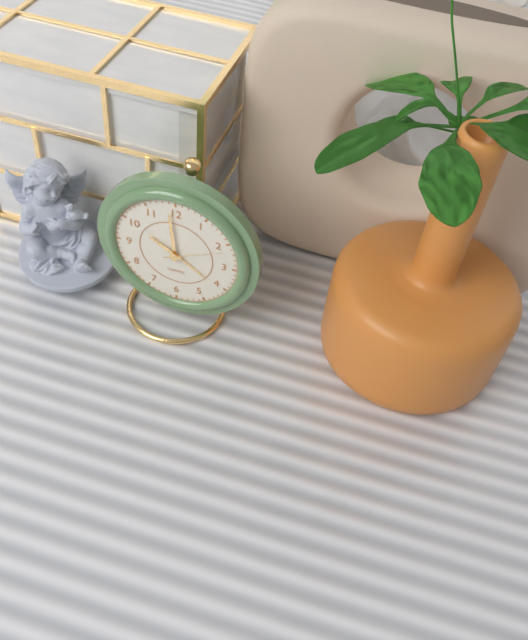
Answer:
9,59,11
